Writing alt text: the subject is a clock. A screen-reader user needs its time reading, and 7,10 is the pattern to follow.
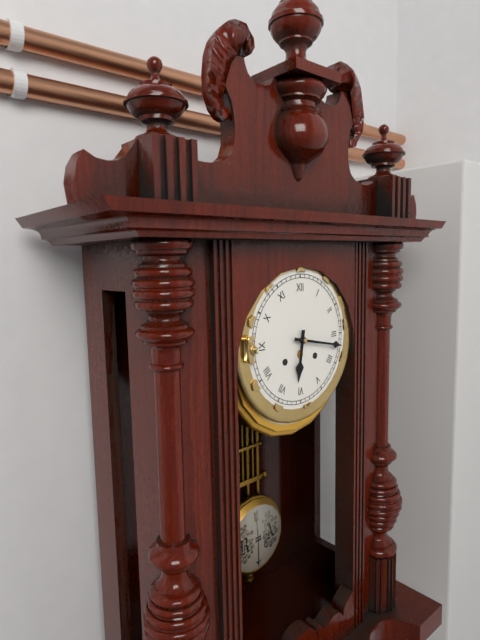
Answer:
6,17
